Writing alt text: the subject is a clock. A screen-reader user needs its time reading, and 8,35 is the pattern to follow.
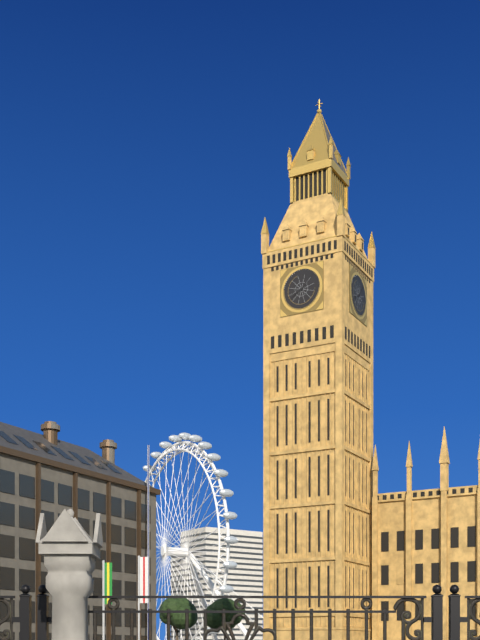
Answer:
8,07
